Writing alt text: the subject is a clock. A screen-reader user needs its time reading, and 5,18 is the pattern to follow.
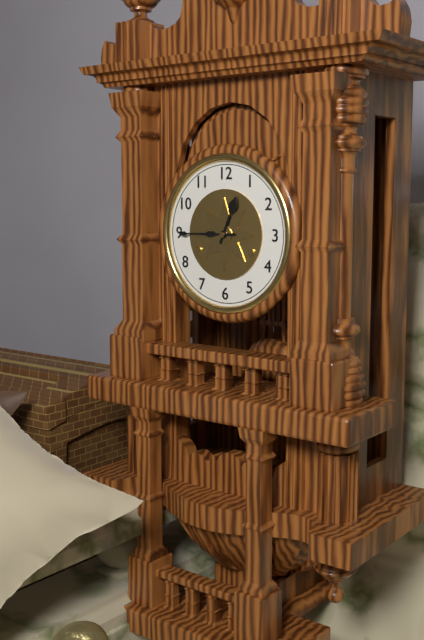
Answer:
12,45
